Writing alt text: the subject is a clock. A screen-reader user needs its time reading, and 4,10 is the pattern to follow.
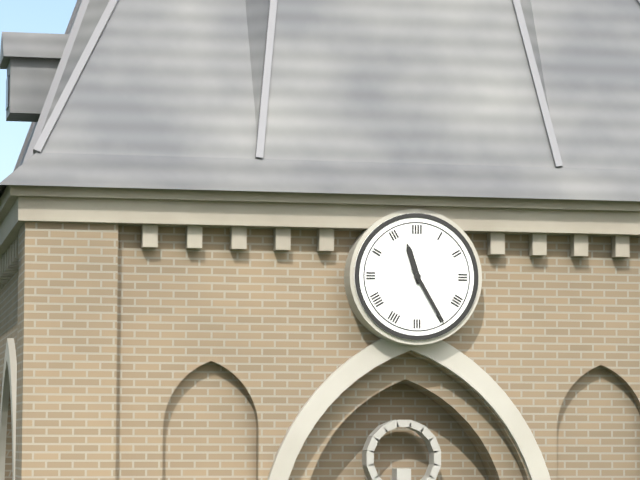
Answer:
11,25
